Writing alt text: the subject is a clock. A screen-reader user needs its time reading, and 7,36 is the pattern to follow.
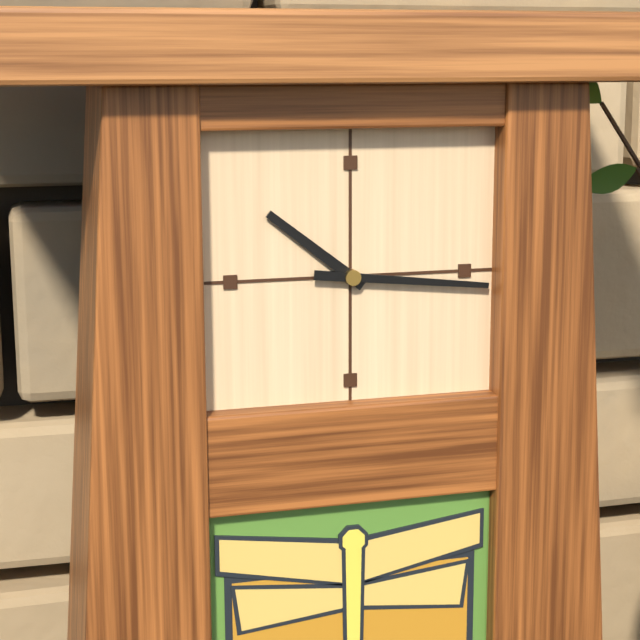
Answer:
10,16
